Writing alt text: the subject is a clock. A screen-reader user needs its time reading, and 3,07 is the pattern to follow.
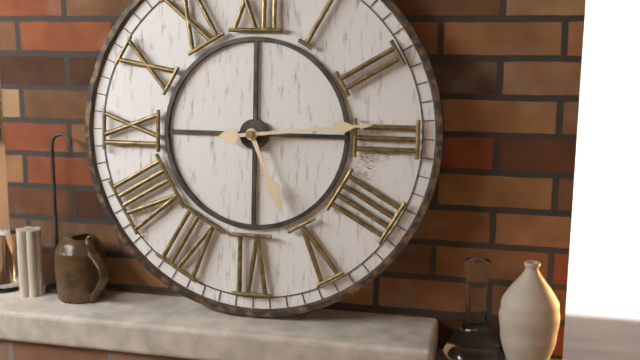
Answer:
5,14
